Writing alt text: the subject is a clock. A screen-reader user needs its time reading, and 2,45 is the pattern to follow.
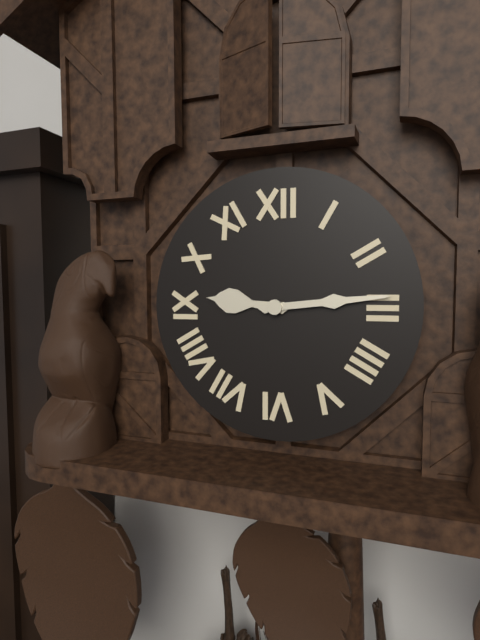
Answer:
9,14
